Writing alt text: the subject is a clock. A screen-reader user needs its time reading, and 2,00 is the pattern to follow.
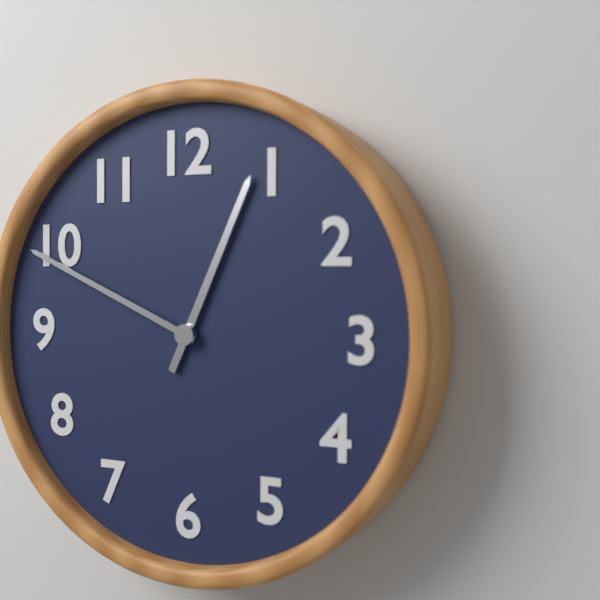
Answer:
12,49
